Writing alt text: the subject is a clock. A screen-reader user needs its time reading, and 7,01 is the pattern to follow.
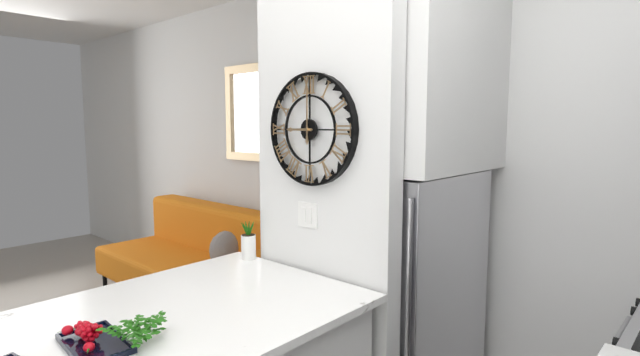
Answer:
9,00
